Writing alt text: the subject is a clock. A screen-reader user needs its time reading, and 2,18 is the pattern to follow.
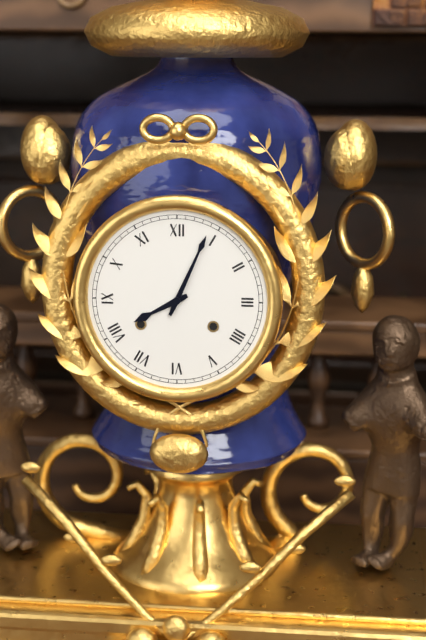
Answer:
8,04
